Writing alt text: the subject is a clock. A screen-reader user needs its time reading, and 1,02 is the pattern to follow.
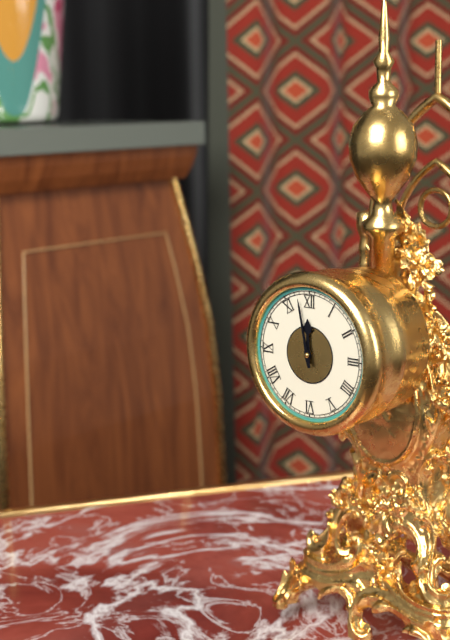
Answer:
11,58
